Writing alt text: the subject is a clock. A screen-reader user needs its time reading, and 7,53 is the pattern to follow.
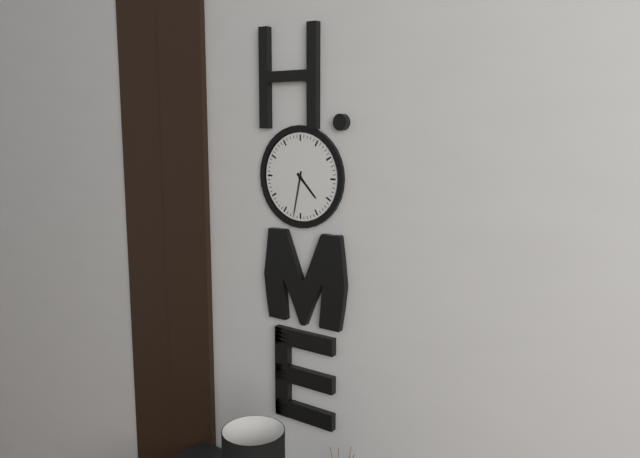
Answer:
4,32
